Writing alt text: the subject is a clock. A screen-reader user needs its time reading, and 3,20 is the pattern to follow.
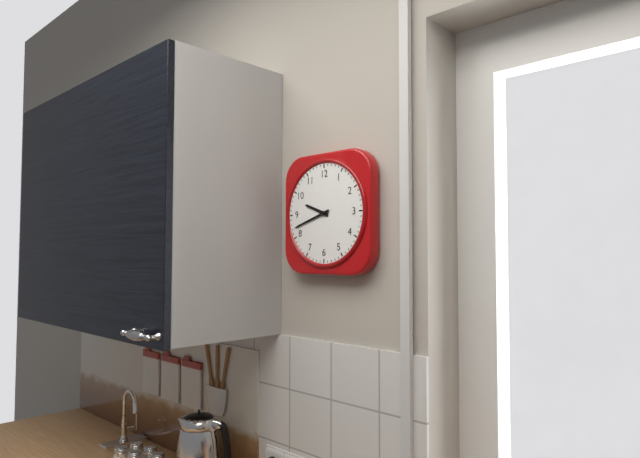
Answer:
9,42
